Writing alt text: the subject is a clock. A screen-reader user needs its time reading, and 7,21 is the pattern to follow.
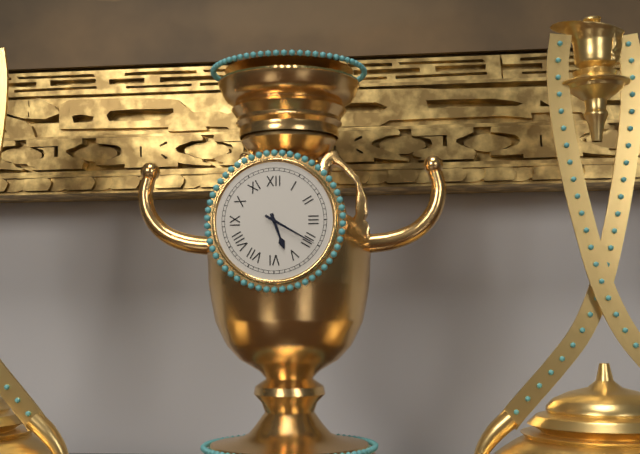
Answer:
5,20
